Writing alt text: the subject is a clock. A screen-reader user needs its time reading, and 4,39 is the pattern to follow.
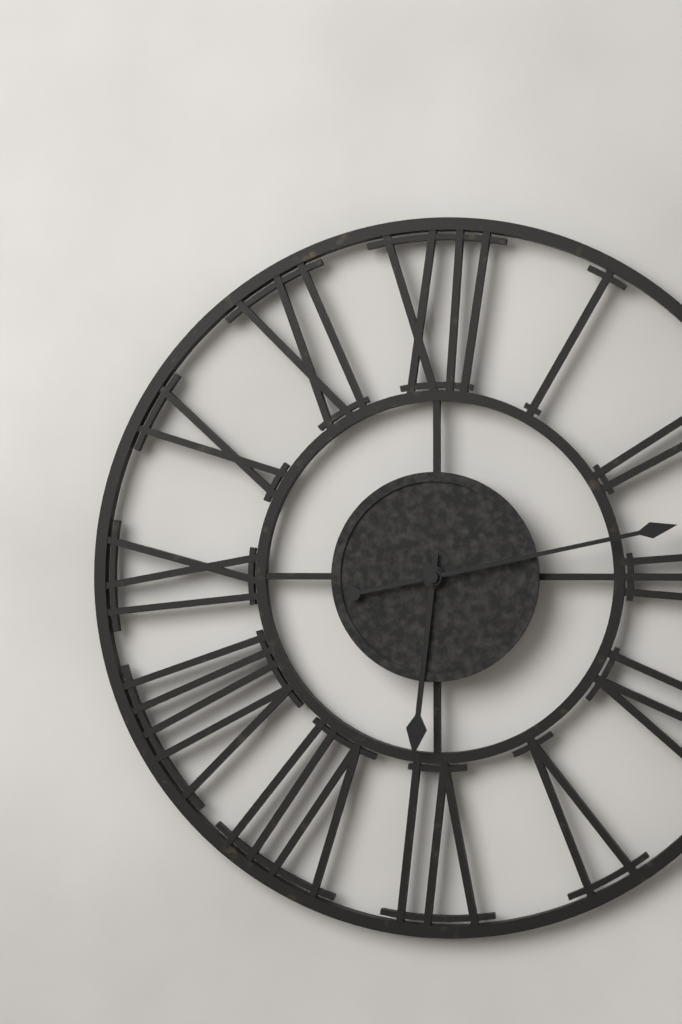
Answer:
6,13
